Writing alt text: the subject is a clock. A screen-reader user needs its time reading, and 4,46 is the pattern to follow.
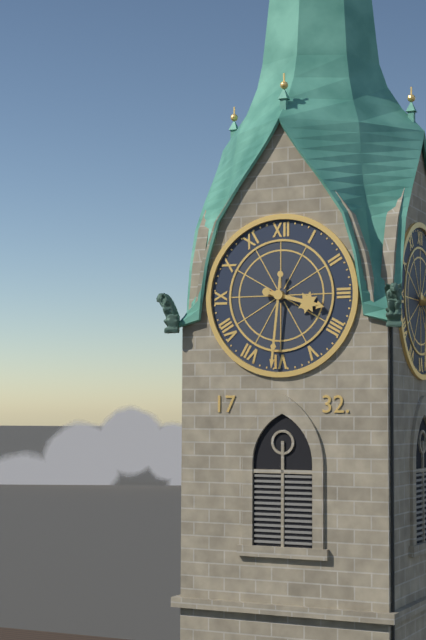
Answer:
3,31
